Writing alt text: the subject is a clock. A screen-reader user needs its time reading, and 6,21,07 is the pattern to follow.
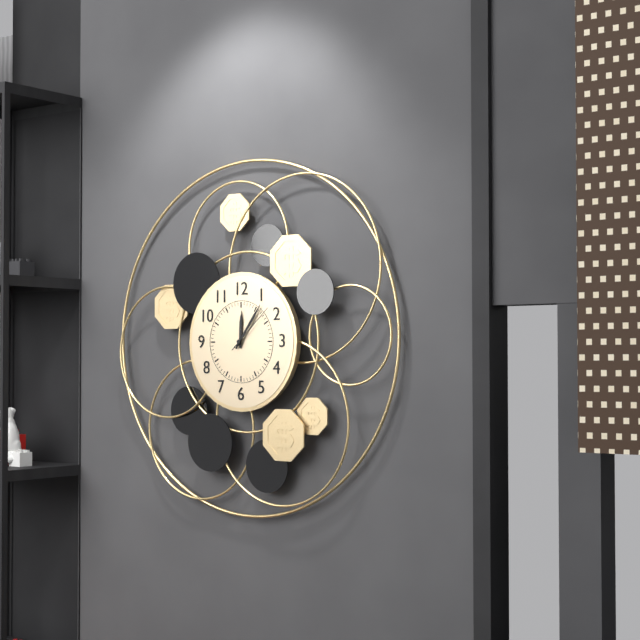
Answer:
12,06,08
